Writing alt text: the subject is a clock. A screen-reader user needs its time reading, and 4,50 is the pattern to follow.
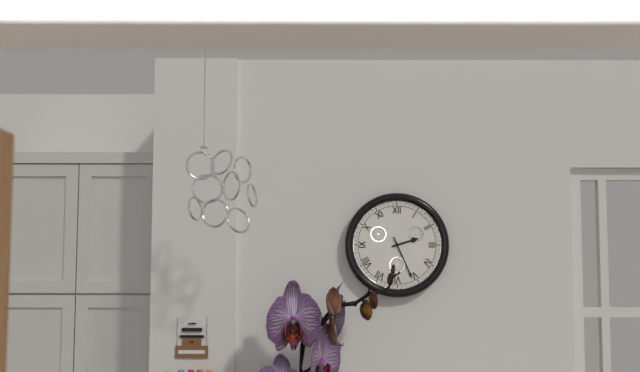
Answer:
2,26
